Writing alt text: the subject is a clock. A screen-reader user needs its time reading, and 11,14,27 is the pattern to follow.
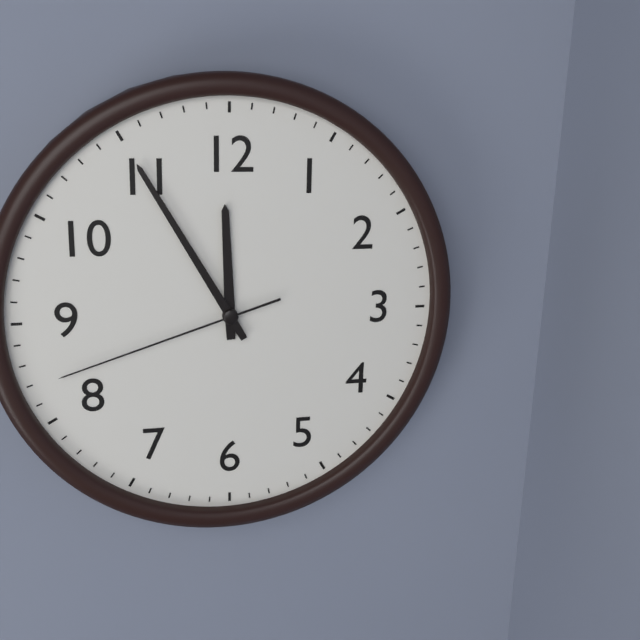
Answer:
11,55,42
